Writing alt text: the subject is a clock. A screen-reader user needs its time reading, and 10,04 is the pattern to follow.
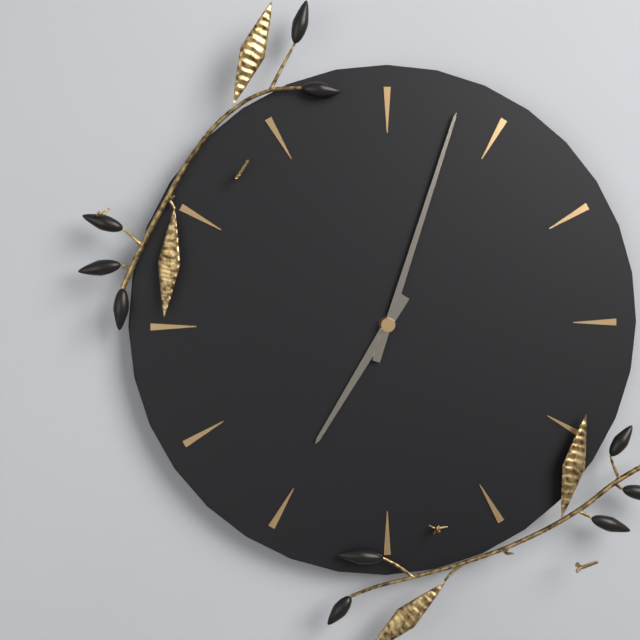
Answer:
7,03
